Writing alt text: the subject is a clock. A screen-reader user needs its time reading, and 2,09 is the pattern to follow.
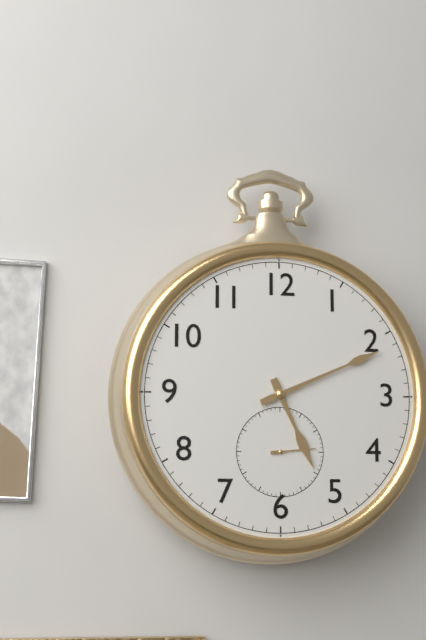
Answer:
5,11
